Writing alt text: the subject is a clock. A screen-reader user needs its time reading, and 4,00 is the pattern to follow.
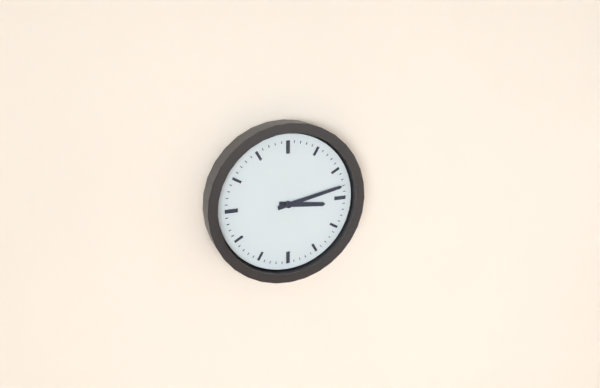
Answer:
3,13
